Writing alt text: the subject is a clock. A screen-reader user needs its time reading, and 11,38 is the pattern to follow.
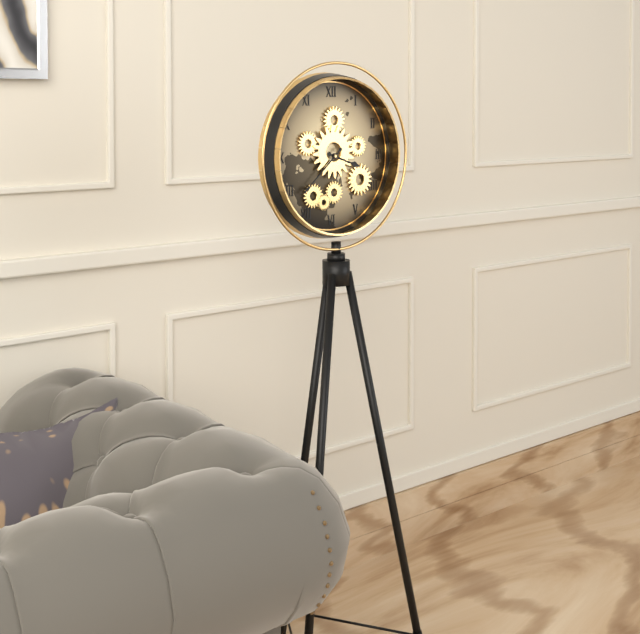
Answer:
3,38
